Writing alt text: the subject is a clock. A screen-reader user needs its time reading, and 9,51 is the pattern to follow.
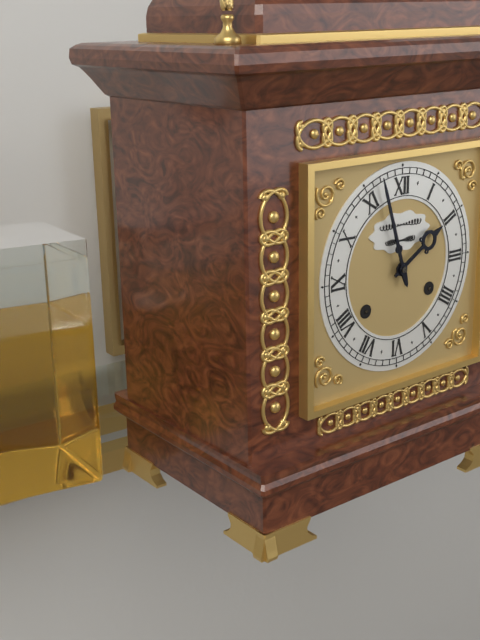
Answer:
1,57
